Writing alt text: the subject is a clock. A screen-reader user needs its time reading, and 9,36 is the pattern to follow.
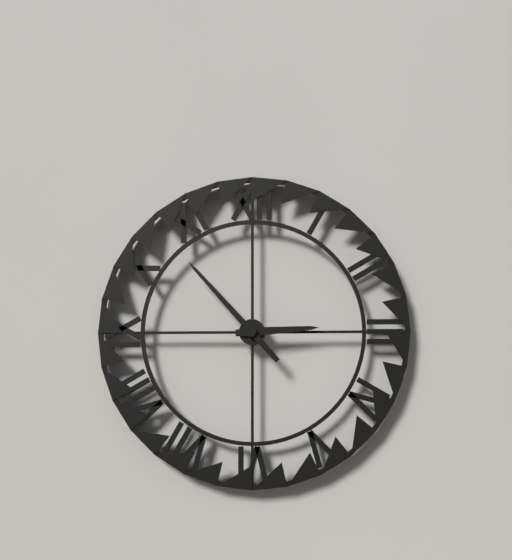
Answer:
2,53
